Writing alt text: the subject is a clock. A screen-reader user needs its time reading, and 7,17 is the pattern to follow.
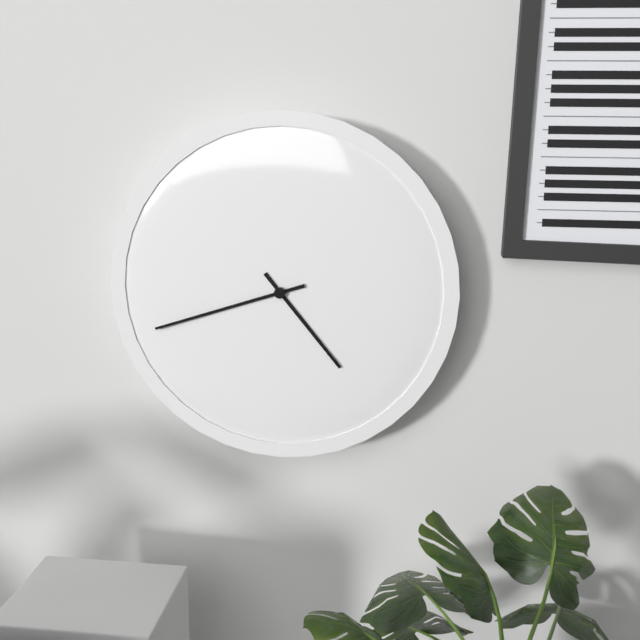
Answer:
4,42
